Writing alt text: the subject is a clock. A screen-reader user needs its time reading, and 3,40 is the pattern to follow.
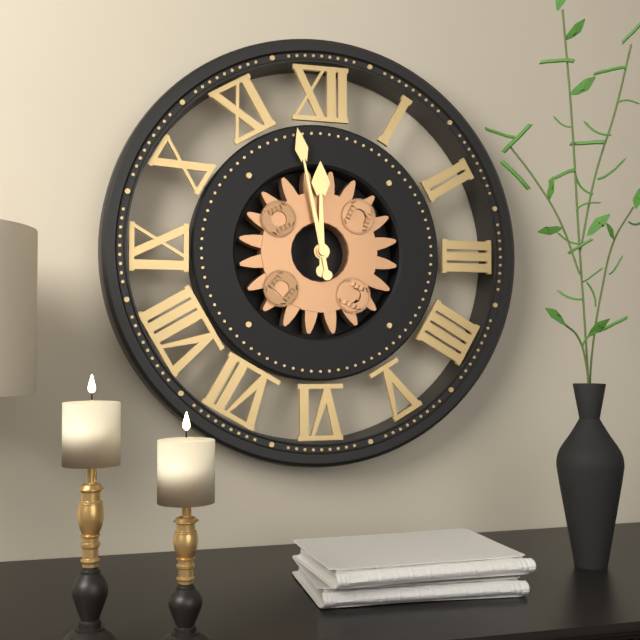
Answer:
11,58
